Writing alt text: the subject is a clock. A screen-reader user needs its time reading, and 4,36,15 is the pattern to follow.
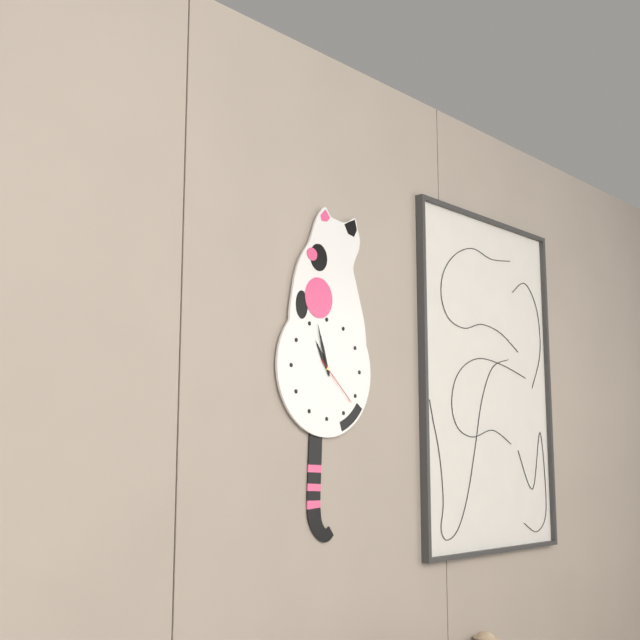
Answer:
10,57,22
